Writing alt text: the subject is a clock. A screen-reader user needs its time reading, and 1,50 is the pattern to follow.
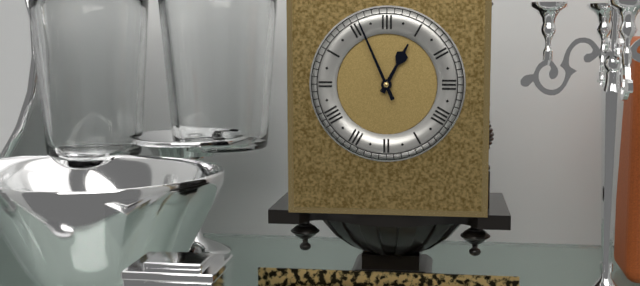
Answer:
12,56
